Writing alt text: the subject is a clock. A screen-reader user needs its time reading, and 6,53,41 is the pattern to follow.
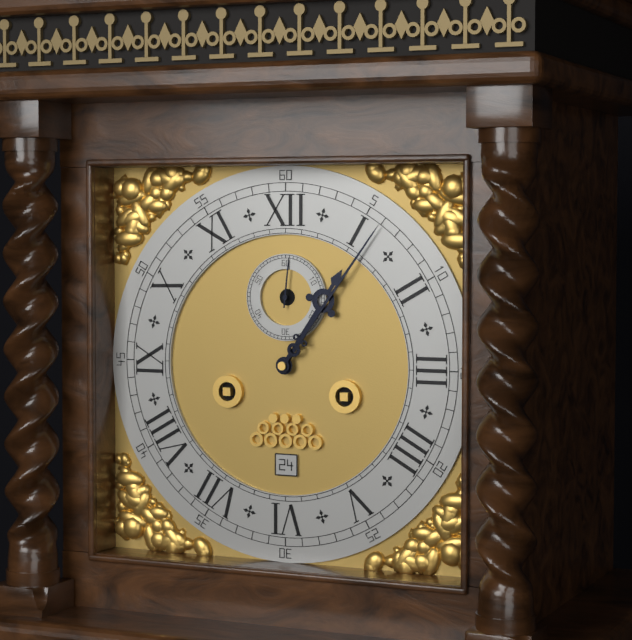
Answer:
1,06,01
